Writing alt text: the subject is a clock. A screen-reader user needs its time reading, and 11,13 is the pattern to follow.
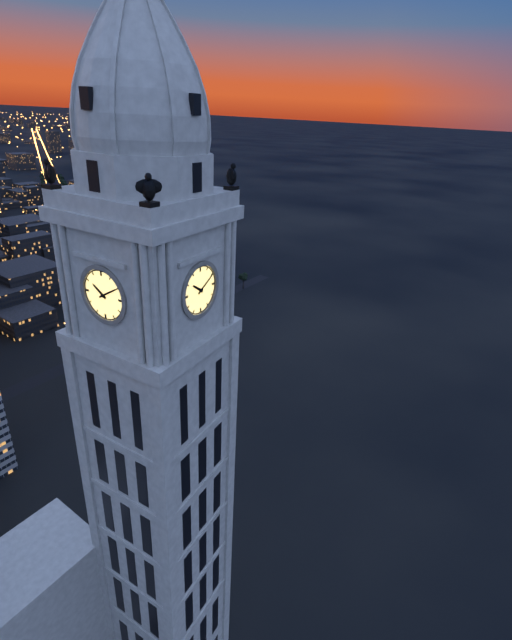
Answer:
10,10
